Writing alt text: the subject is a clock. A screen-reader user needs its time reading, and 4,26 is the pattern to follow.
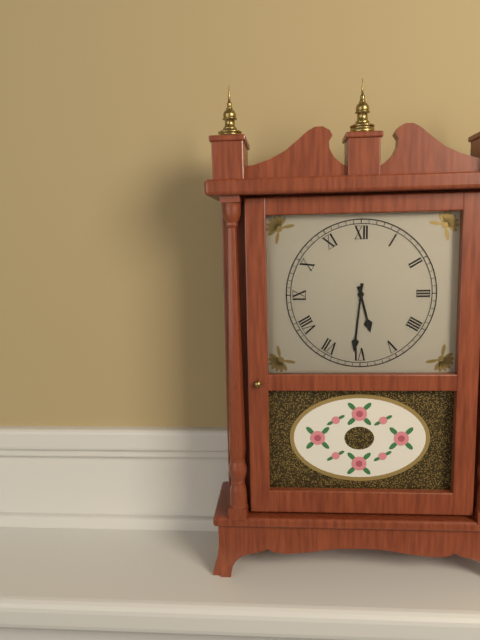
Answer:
5,31
